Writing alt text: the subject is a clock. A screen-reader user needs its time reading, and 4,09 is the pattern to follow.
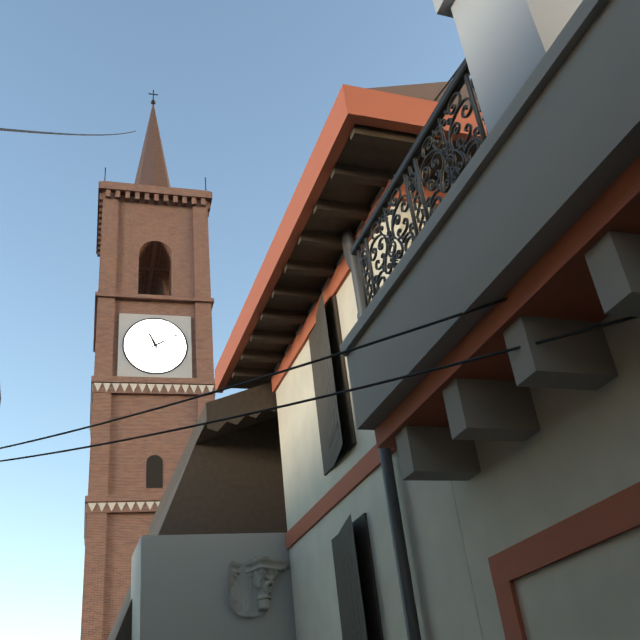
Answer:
11,10
